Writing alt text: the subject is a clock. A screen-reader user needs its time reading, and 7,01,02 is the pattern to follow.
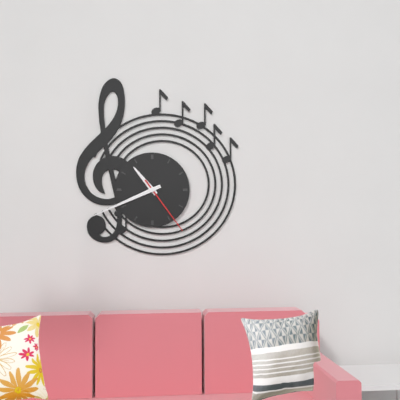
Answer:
10,41,24
